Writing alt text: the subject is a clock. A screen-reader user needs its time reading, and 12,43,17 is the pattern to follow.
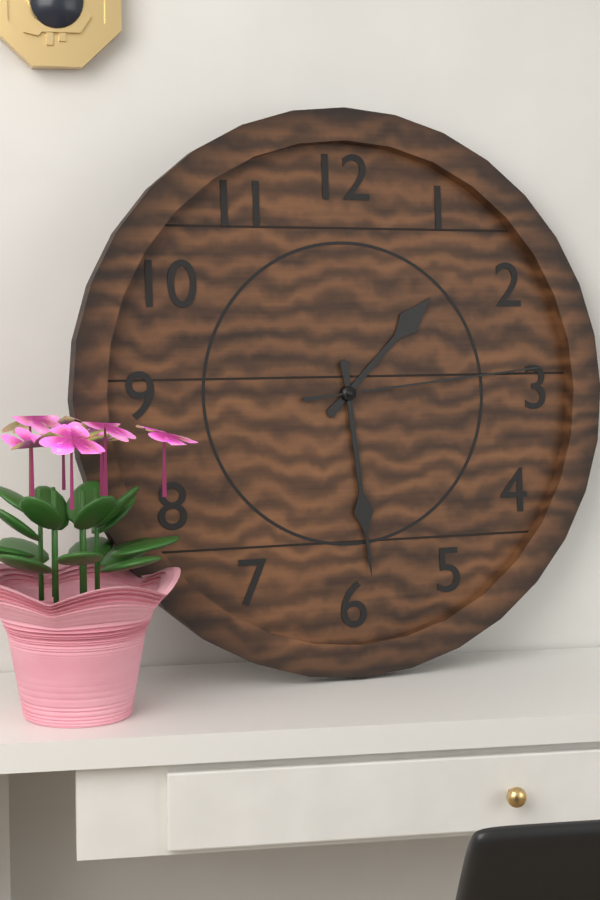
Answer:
1,29,14
